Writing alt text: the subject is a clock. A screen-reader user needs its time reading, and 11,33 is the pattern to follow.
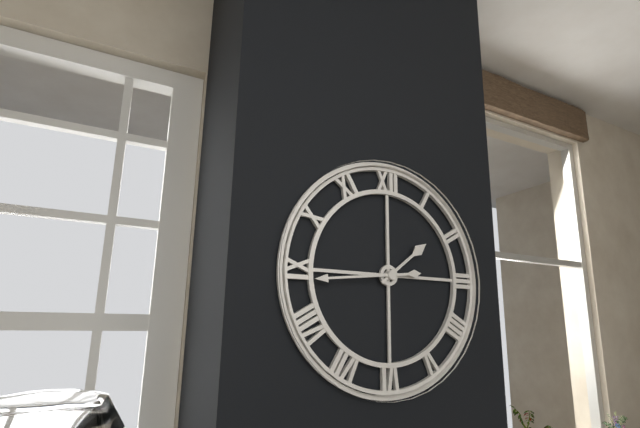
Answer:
1,44
